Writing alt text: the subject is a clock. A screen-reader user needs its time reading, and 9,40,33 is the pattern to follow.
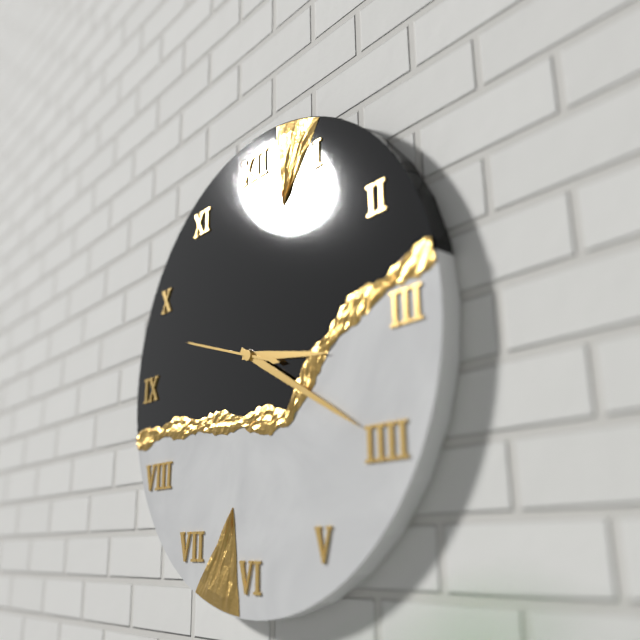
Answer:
3,20,48
